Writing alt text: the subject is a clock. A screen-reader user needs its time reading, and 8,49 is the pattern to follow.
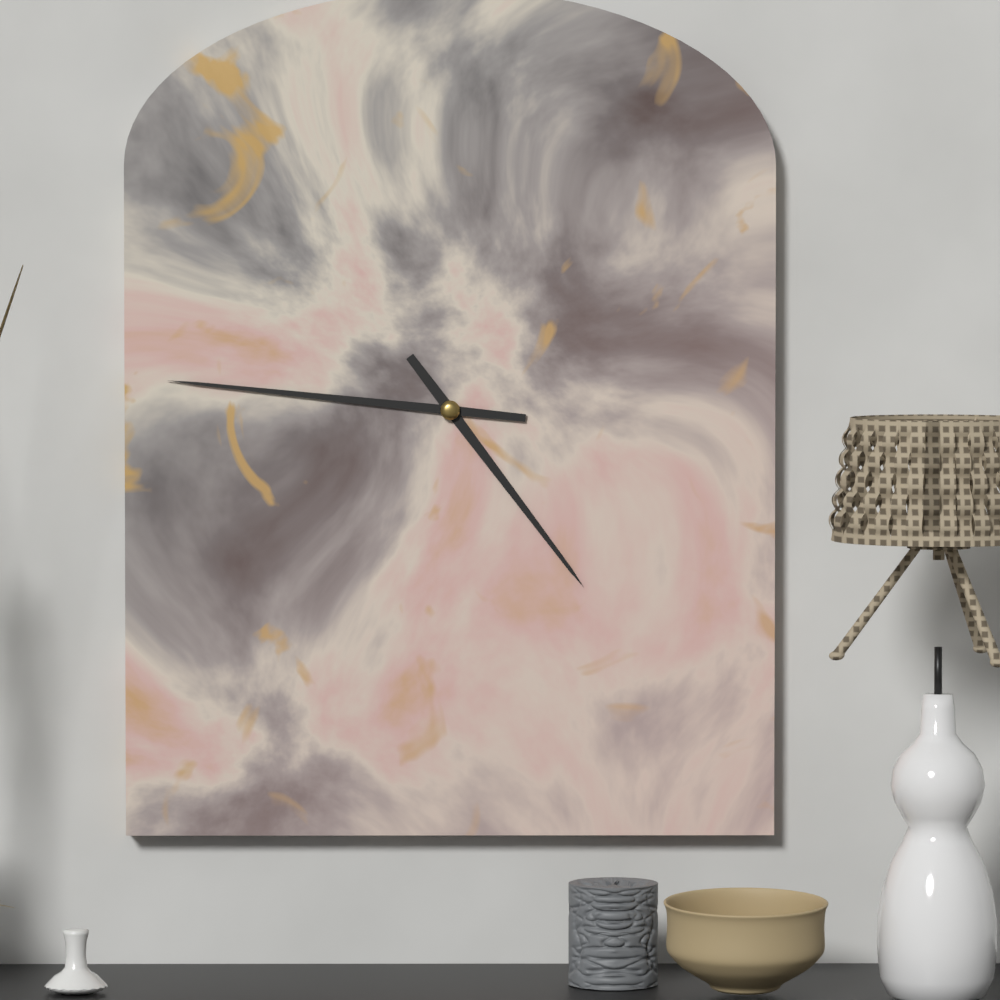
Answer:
4,46
